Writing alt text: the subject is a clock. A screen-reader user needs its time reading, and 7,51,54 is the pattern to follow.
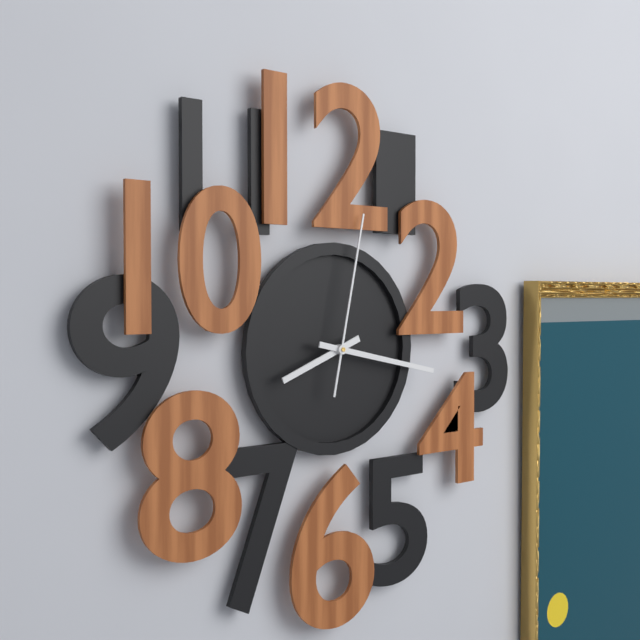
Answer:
8,17,02
